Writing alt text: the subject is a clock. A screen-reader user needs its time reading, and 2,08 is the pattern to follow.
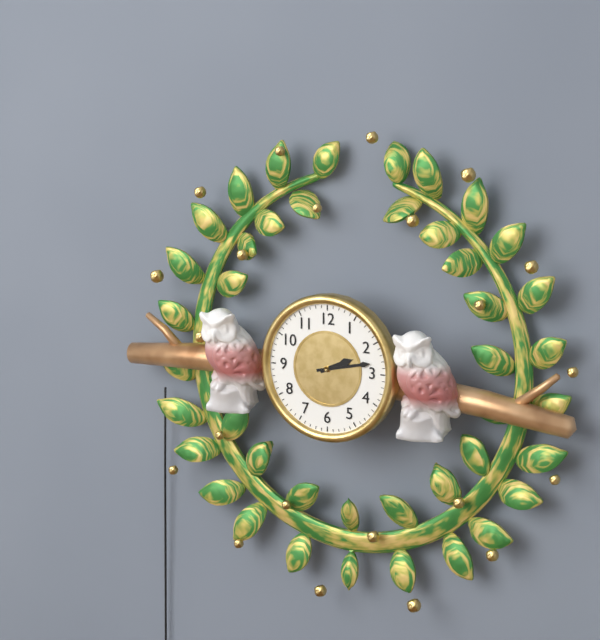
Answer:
2,13
